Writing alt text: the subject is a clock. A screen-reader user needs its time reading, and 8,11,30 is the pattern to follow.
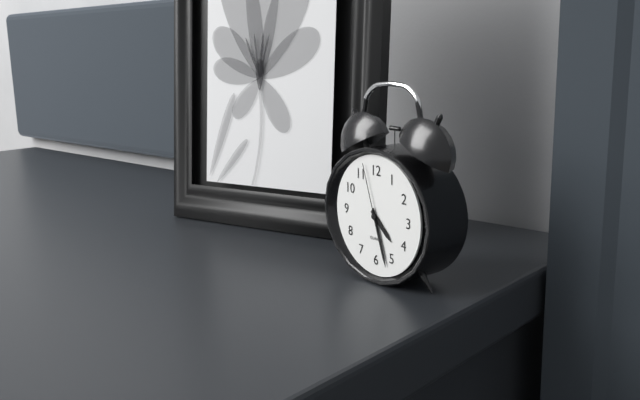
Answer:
4,27,57
